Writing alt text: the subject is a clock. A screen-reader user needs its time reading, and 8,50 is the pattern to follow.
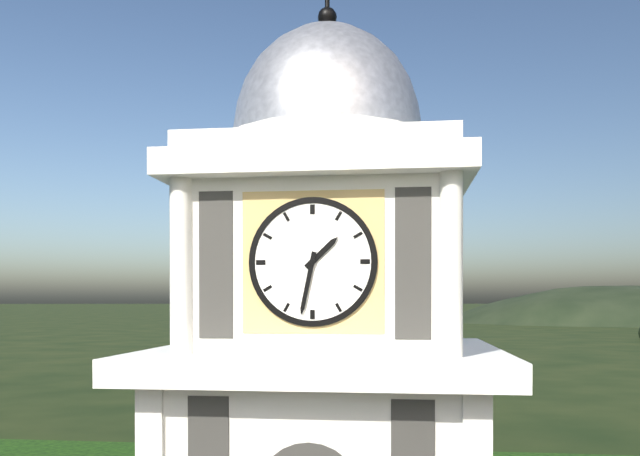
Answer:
1,32
